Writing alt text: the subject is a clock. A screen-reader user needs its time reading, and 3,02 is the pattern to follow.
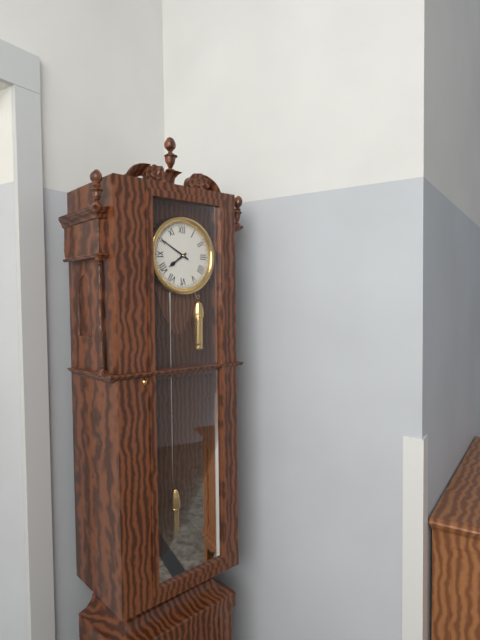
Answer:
7,50
